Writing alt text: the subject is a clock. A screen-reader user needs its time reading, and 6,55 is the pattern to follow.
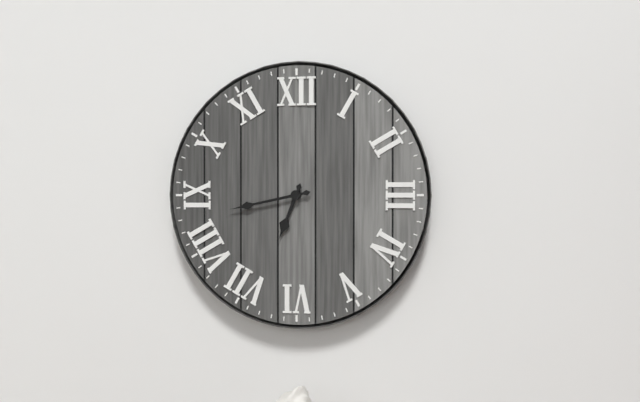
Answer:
6,43
